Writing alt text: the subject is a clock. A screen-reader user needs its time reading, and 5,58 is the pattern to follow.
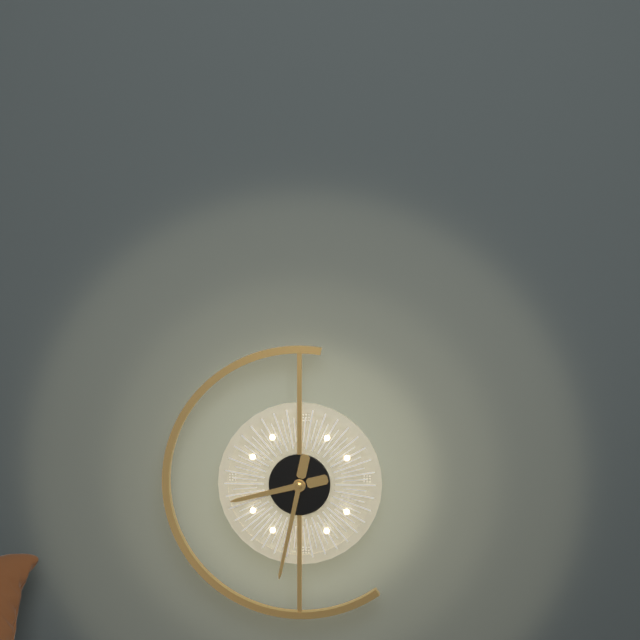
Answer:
8,32
